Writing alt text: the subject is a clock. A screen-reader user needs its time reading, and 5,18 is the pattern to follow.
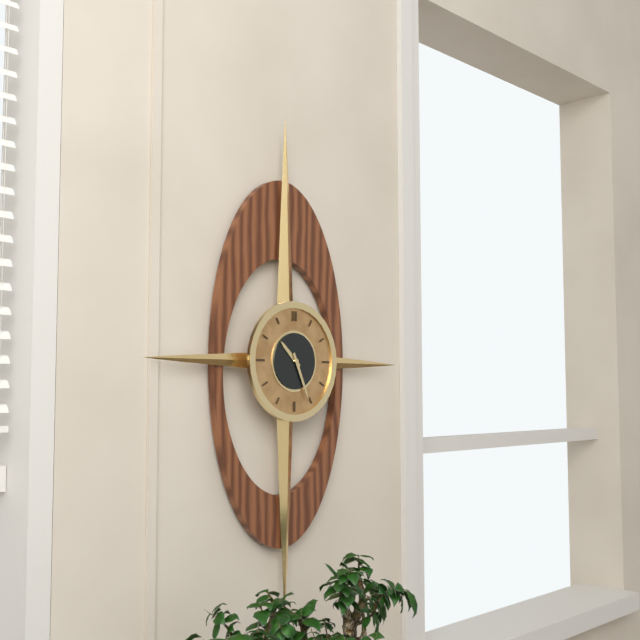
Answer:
10,26
